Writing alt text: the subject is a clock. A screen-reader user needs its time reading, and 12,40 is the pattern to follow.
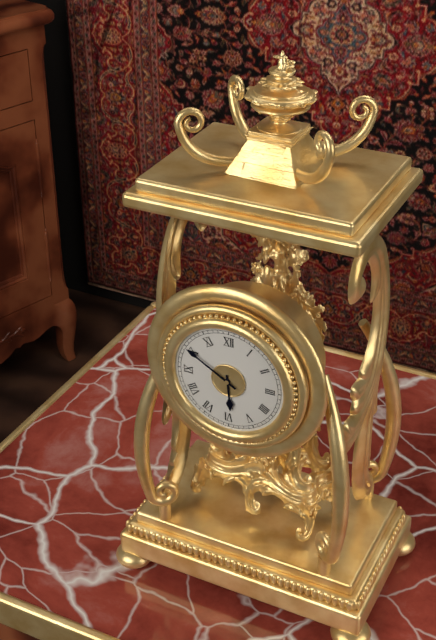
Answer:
5,50
